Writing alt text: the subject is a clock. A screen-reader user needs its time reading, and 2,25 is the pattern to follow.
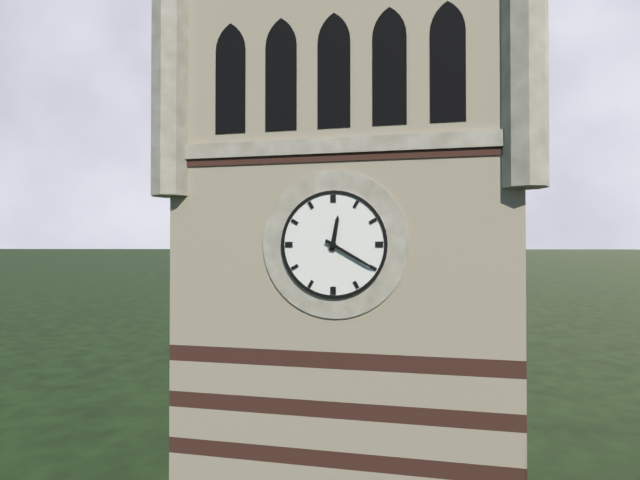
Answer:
12,20
